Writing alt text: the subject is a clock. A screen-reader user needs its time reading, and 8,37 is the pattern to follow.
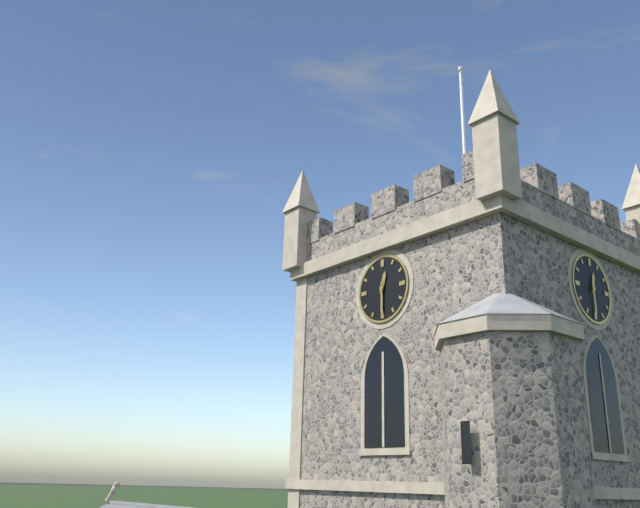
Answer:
12,30
